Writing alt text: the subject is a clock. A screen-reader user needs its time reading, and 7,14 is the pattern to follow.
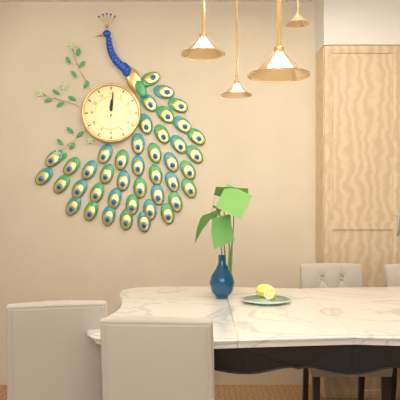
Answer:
12,01
